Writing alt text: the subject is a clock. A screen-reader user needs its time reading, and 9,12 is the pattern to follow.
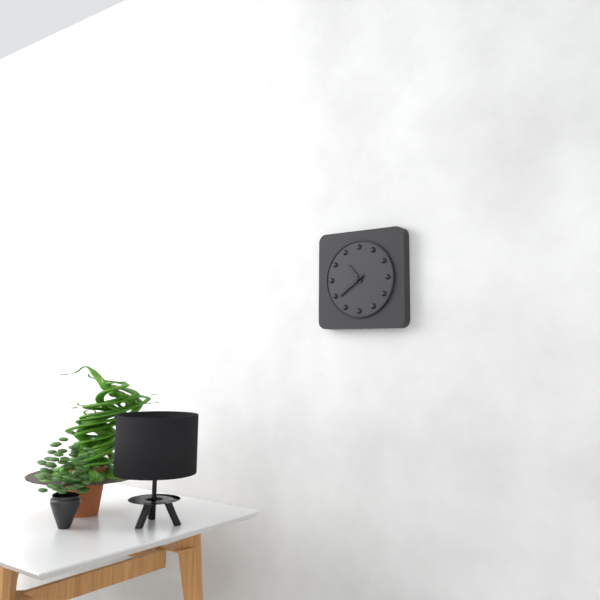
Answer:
10,39
